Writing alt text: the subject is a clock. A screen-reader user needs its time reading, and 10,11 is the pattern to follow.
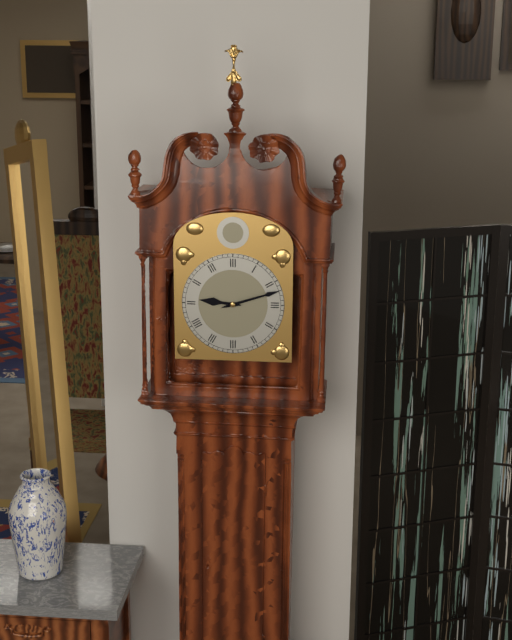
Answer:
9,12
